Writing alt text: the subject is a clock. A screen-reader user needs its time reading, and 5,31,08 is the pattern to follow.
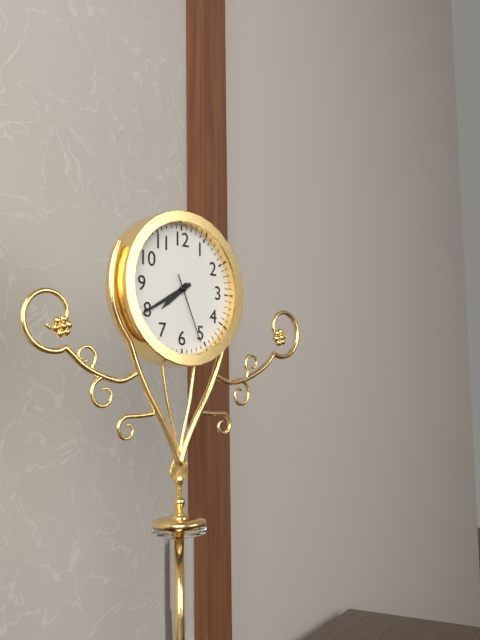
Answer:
7,40,26
